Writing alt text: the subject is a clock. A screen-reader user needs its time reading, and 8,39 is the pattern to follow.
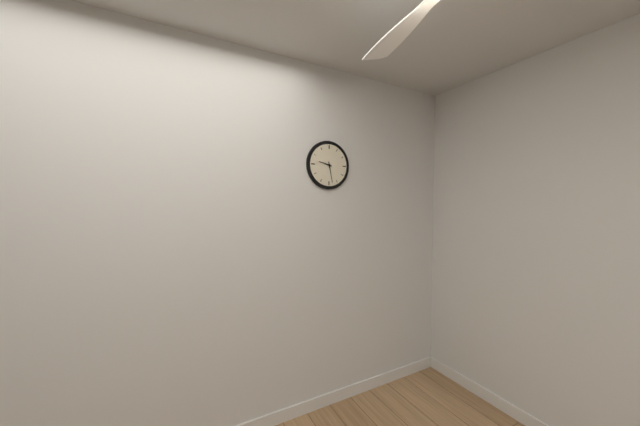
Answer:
9,28
